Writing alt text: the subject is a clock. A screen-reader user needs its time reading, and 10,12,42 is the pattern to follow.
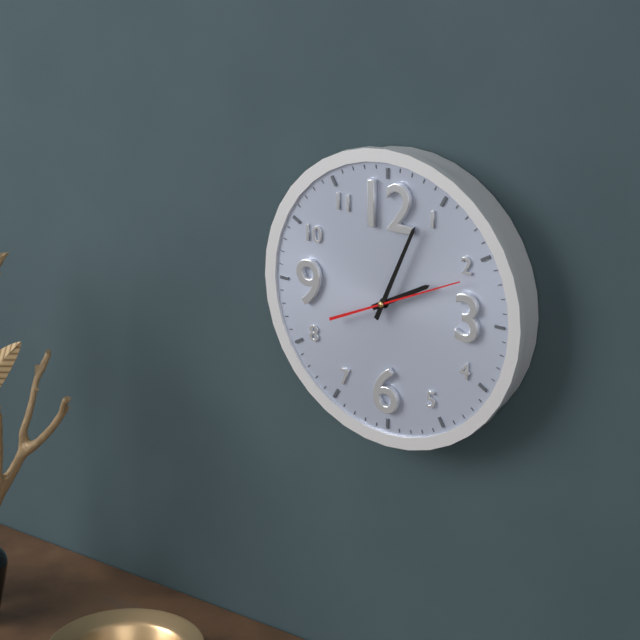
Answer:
2,04,11
